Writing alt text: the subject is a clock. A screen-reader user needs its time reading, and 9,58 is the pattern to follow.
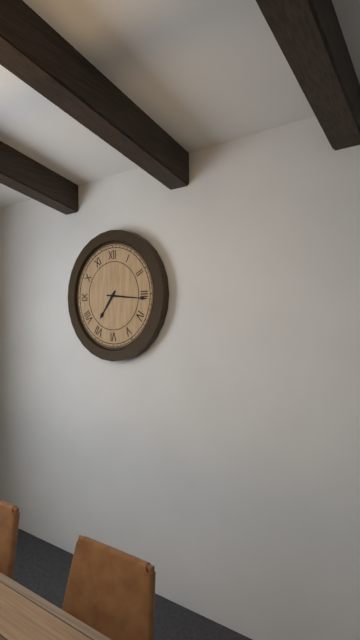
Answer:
7,16
